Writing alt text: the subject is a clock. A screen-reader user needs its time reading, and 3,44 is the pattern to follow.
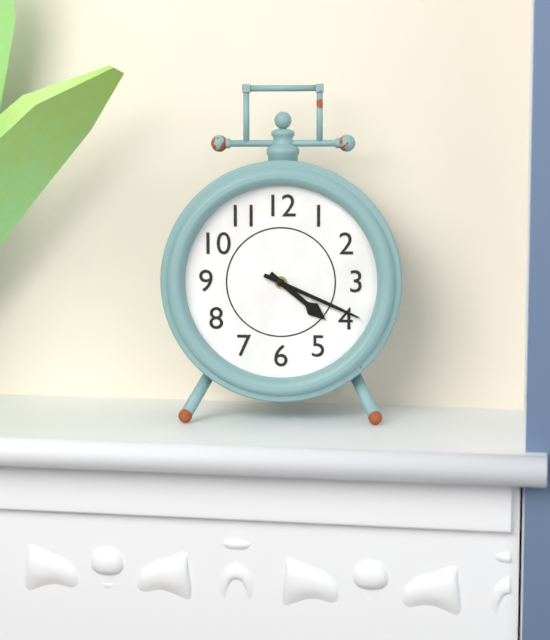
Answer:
4,19
